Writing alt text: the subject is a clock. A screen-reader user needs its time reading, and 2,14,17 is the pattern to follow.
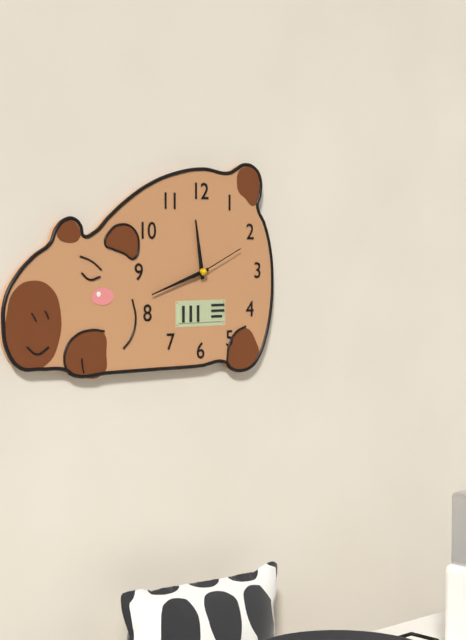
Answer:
11,42,11
